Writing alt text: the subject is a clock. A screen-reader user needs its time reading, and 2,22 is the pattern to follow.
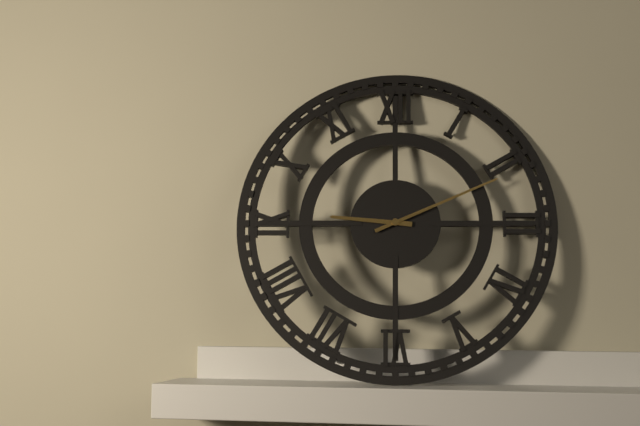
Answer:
9,11
